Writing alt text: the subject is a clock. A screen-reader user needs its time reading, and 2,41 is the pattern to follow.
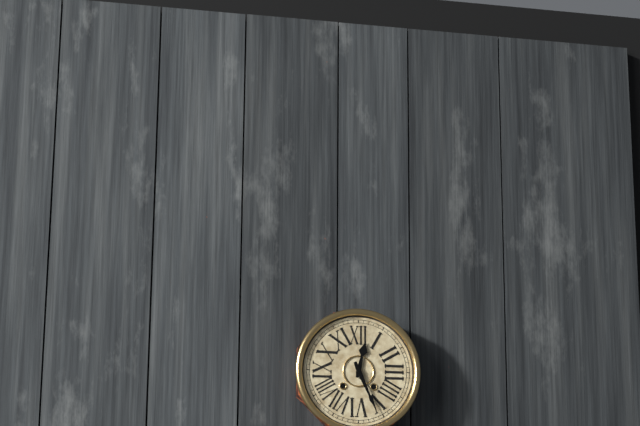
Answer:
12,26
